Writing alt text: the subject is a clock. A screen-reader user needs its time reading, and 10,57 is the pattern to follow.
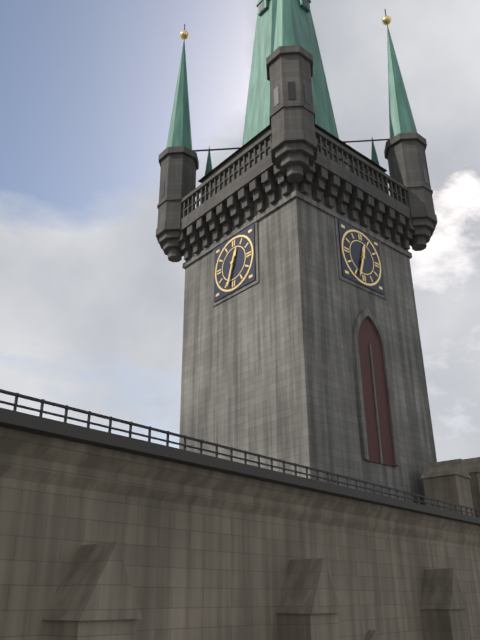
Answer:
12,33
